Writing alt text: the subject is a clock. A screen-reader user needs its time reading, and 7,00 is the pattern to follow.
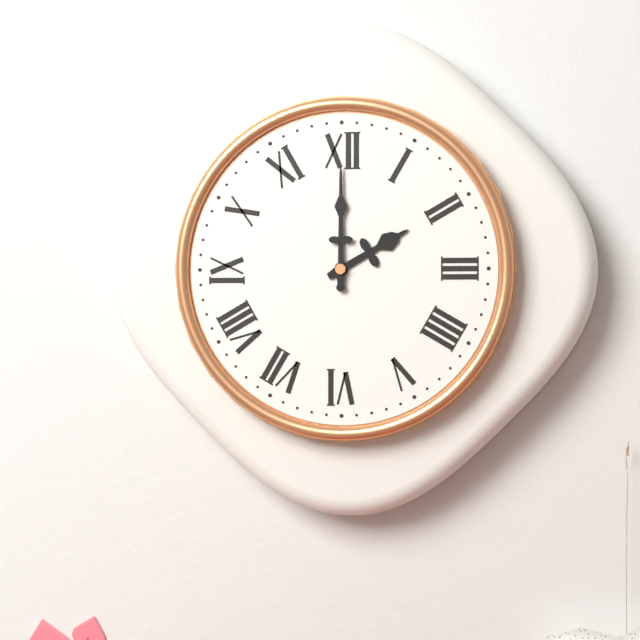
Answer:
2,00
